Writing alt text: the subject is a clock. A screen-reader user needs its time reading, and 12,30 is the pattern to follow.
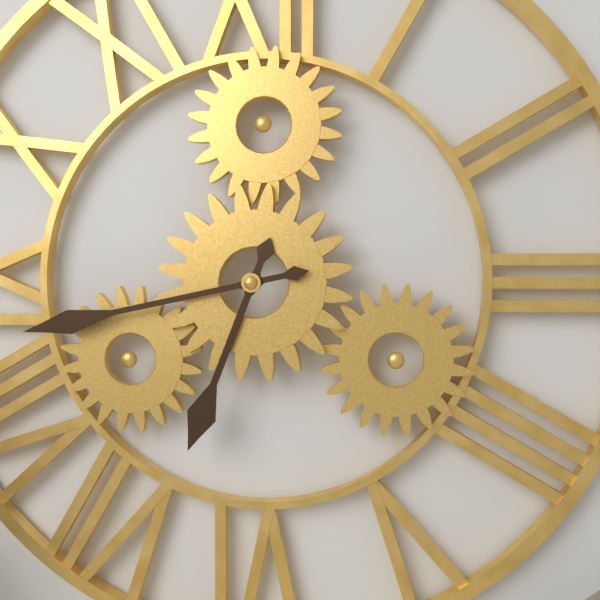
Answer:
6,43
